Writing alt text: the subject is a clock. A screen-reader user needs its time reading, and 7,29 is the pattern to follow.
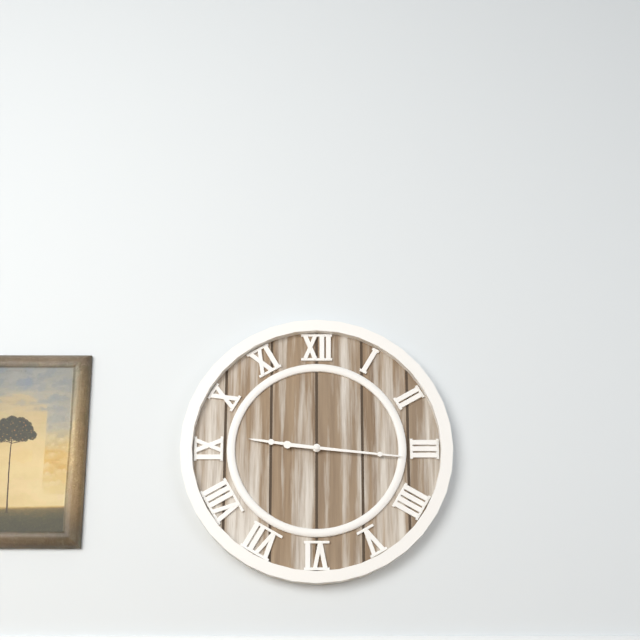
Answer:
9,16
